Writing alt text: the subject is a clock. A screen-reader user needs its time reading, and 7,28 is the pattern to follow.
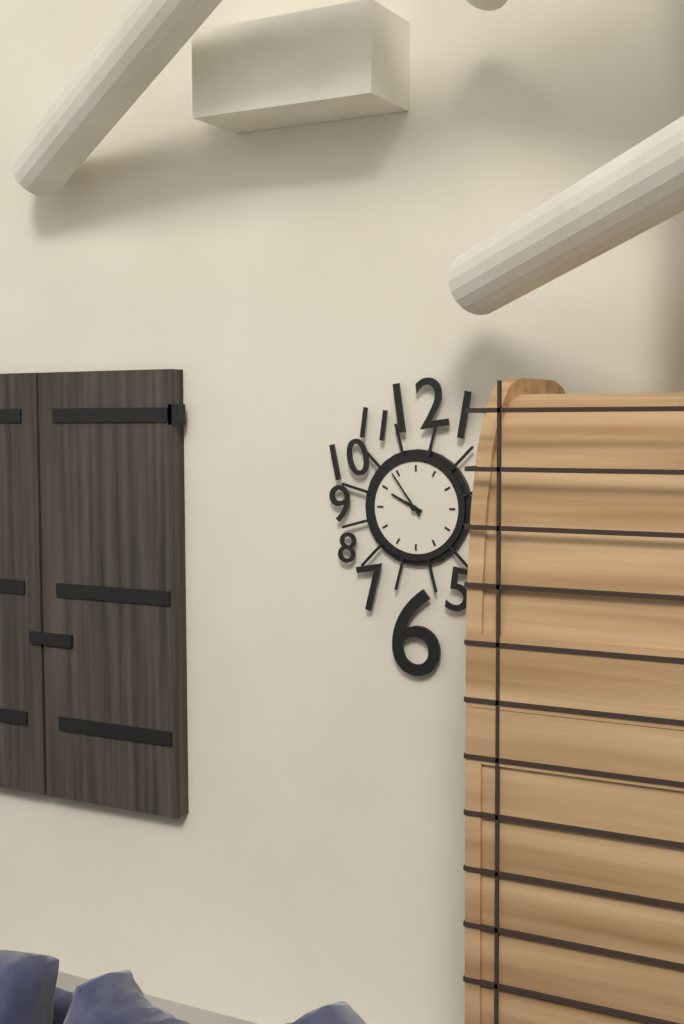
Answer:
9,54
